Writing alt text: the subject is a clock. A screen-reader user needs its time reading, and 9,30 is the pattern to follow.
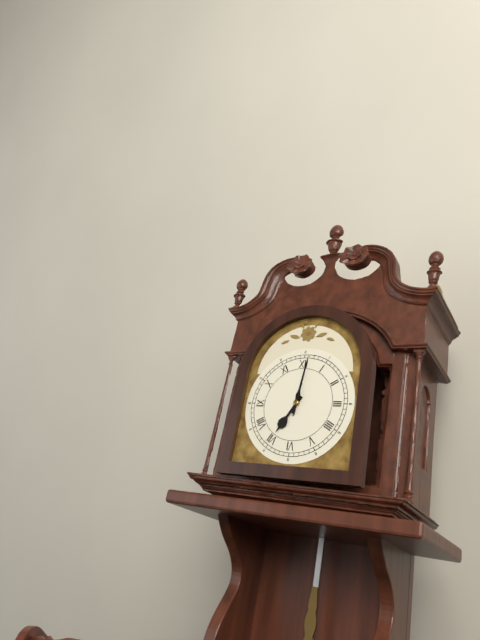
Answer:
7,01
